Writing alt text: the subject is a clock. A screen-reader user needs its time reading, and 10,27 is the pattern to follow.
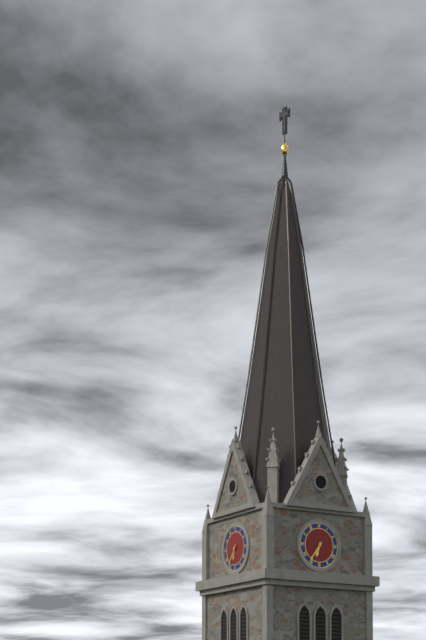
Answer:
6,36
